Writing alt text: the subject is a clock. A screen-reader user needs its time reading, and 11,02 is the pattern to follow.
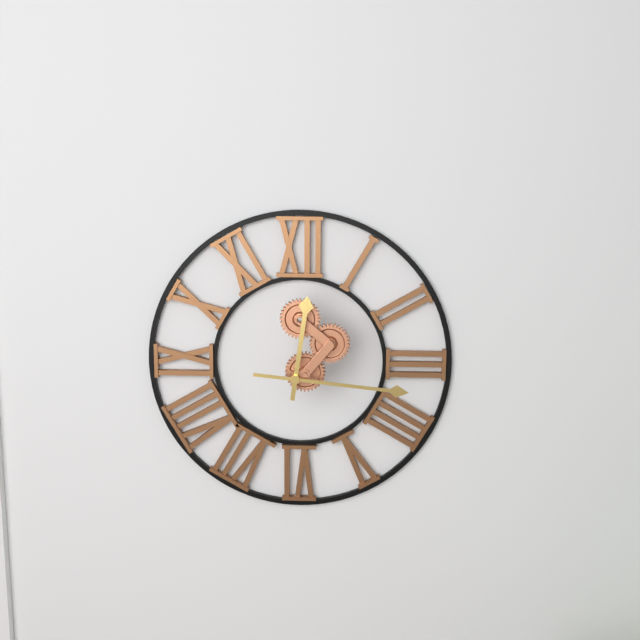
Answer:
12,16
